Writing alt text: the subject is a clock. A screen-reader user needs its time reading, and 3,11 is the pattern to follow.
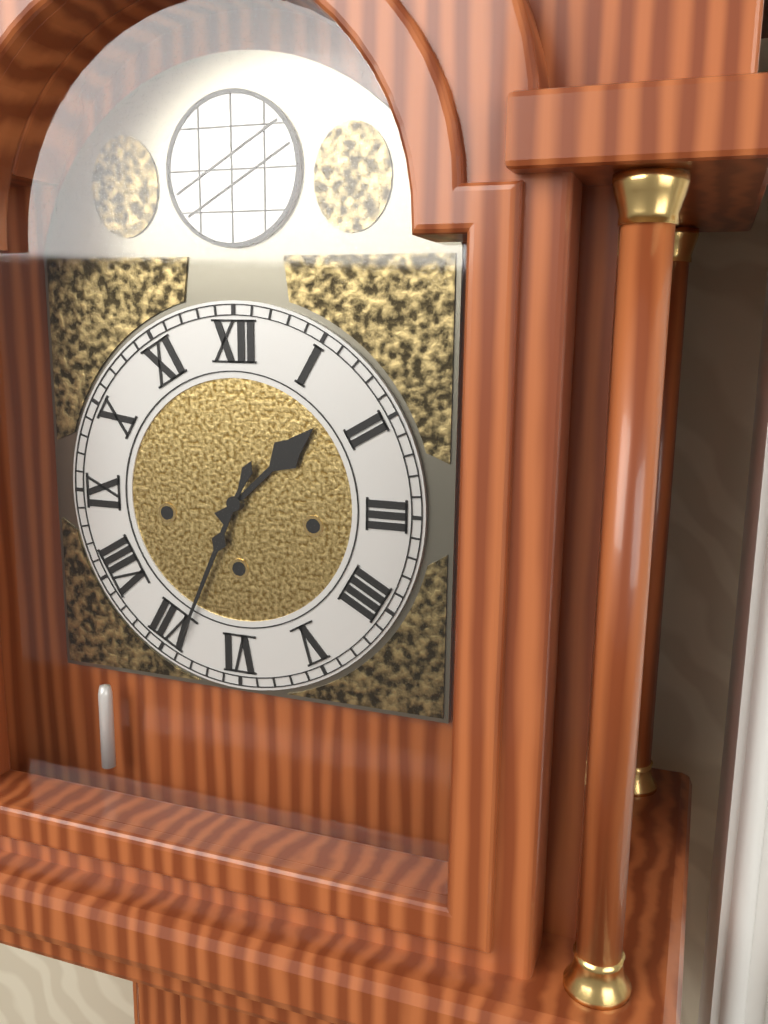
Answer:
1,34
